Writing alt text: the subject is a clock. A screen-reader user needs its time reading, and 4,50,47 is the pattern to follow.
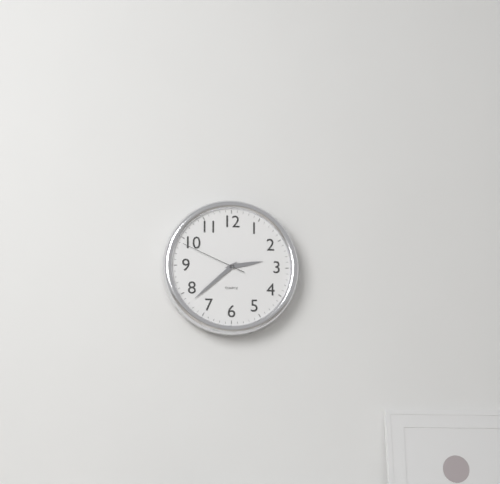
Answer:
2,38,49
